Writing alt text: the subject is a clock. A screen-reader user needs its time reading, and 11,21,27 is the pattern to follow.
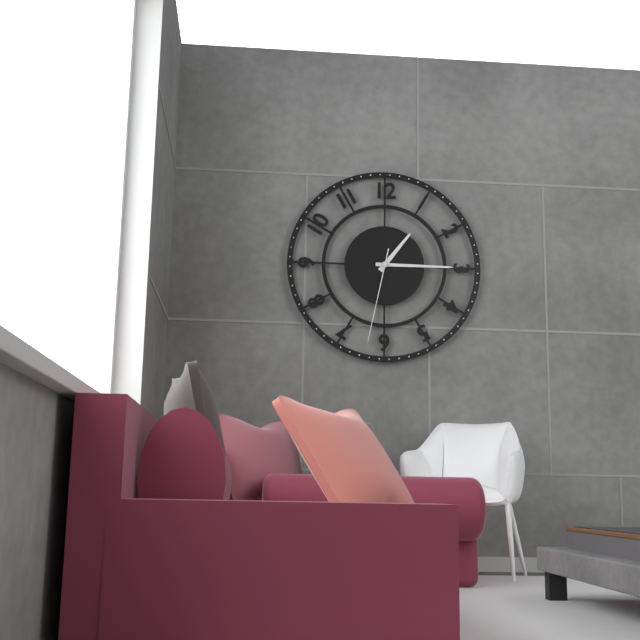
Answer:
1,15,32
